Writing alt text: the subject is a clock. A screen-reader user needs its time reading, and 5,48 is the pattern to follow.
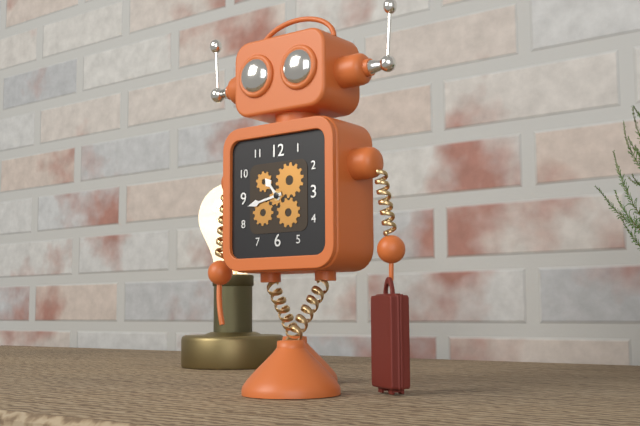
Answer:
10,43
